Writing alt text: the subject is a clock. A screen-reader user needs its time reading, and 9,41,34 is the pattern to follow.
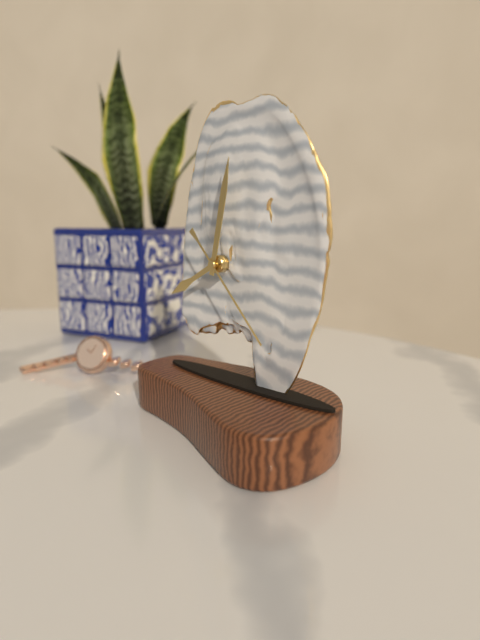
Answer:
8,02,23
